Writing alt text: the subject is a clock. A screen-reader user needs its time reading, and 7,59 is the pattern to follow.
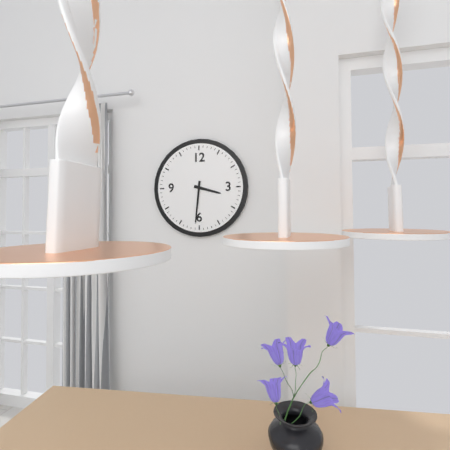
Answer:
3,31
